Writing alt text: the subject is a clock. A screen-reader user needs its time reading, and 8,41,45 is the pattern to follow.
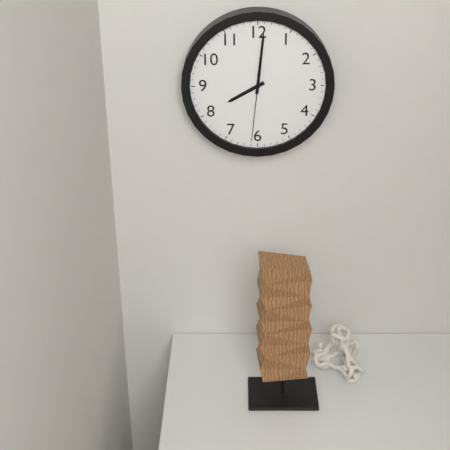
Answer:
8,01,31
